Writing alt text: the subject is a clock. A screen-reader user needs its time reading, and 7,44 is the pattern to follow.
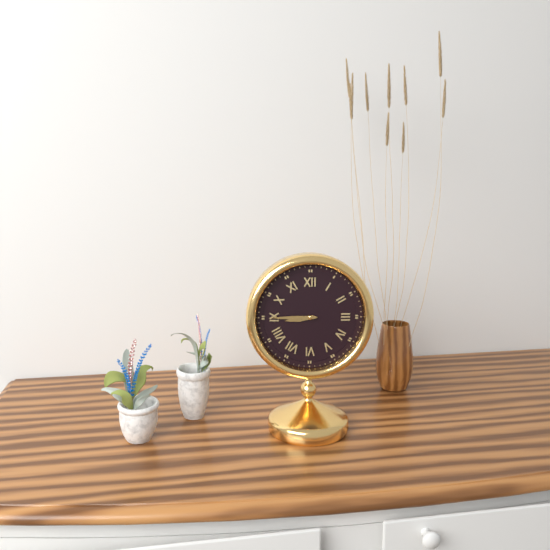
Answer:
8,45
